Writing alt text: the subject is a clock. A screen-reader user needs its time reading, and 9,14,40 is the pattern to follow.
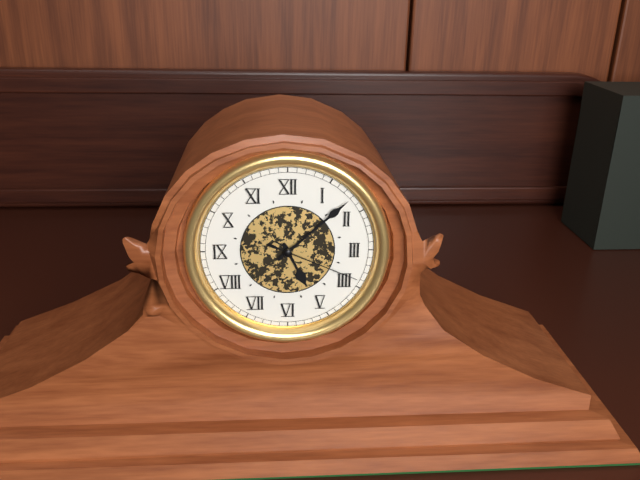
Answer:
5,08,19
